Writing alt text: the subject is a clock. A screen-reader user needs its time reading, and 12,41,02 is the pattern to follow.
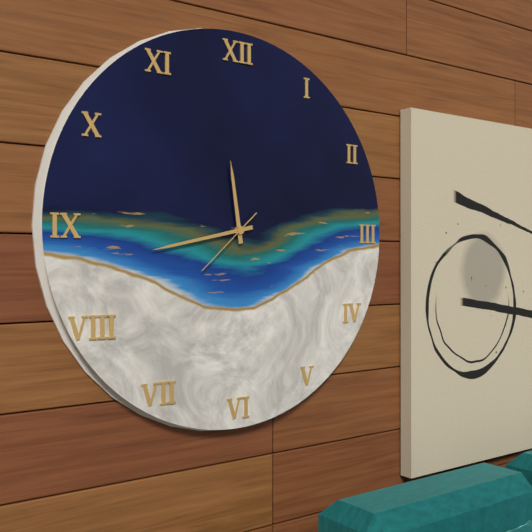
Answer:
11,43,38
